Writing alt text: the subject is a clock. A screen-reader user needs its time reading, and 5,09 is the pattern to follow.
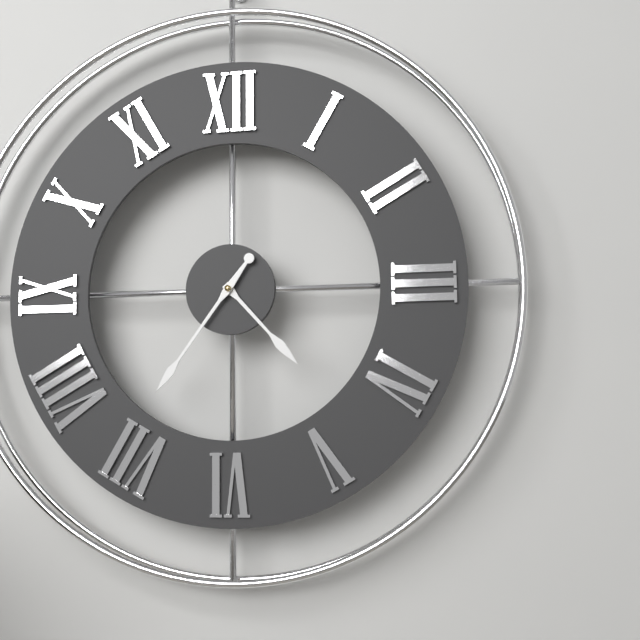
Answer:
4,36
